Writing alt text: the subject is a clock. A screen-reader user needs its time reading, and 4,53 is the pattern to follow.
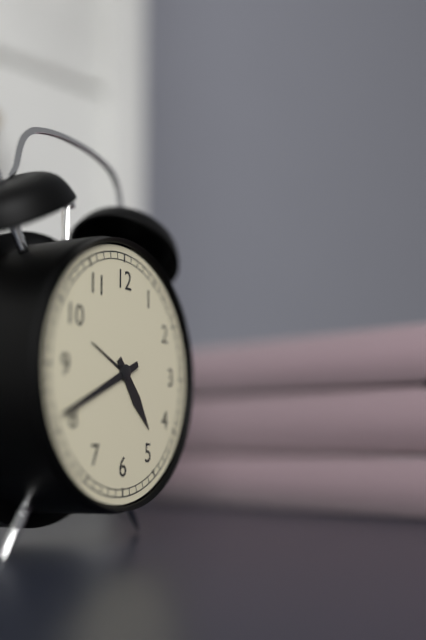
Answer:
4,41
